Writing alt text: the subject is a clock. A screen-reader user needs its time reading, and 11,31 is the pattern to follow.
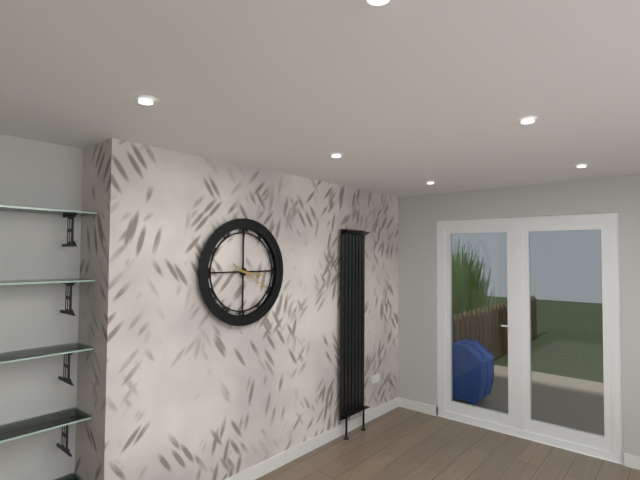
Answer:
3,20
